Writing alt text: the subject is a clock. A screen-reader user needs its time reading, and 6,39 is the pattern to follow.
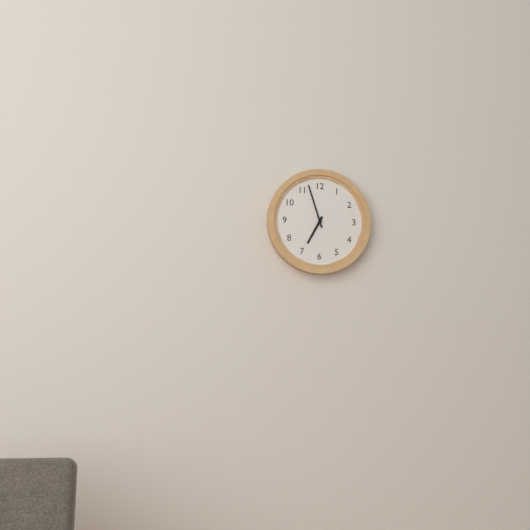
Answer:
6,57
